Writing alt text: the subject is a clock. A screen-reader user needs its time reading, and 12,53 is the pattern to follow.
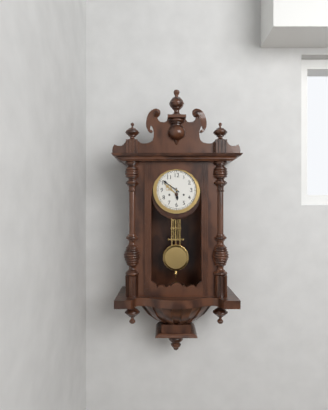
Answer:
5,51
